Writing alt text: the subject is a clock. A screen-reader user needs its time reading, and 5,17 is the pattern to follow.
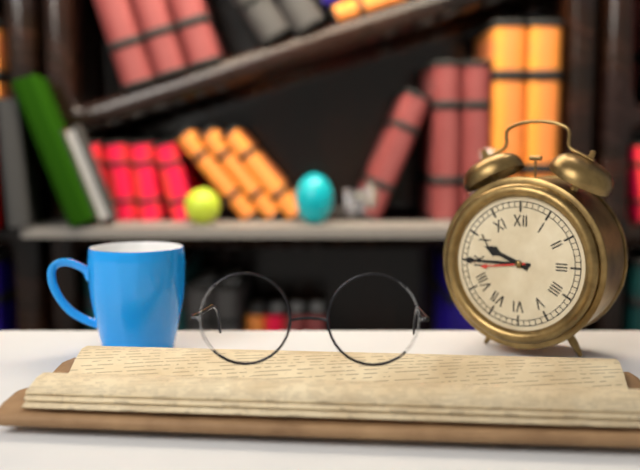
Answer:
9,45
